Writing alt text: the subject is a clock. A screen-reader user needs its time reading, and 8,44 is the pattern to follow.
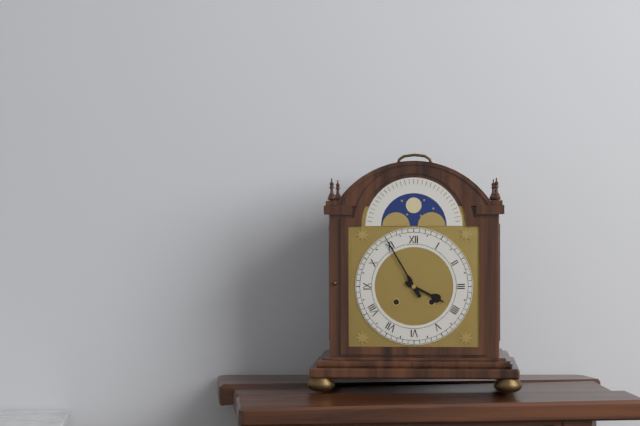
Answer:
3,55
